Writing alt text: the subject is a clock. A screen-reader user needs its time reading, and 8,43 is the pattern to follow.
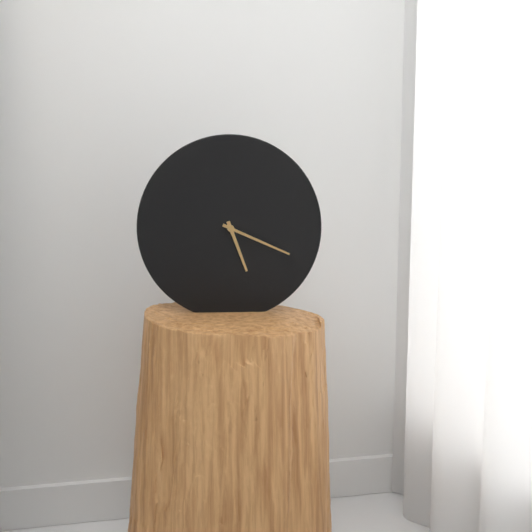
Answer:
5,19
